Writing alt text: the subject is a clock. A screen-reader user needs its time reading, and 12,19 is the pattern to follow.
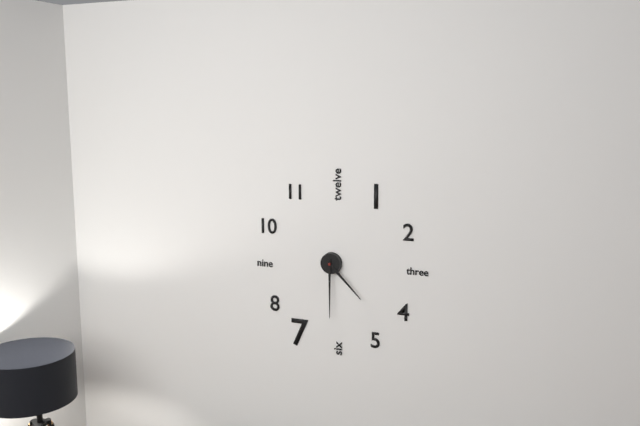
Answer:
4,30
